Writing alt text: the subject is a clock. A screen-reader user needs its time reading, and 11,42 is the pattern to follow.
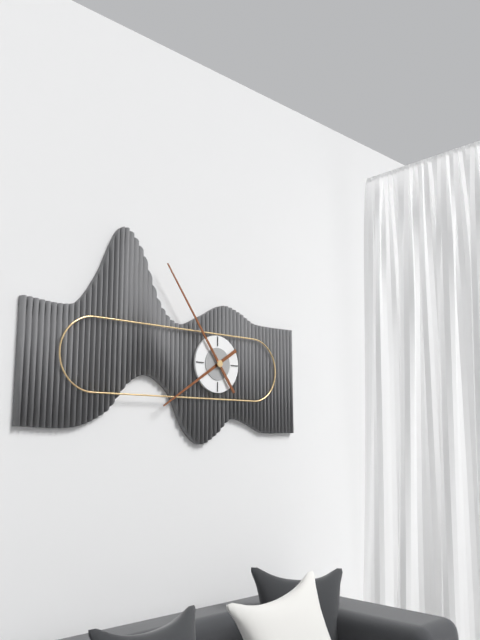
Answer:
7,54
